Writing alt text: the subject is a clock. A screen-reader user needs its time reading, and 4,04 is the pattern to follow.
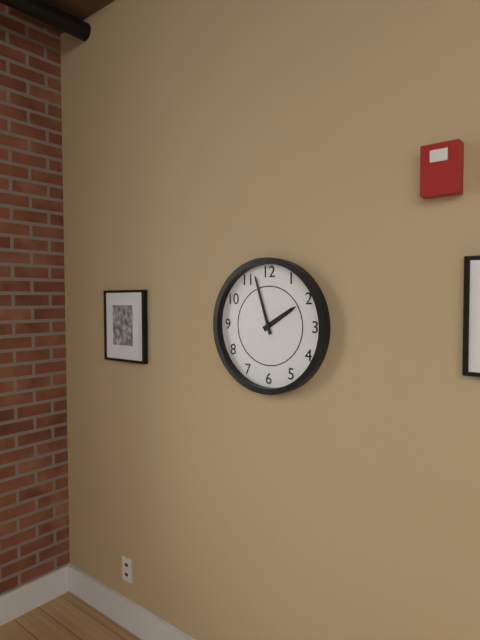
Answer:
1,57
